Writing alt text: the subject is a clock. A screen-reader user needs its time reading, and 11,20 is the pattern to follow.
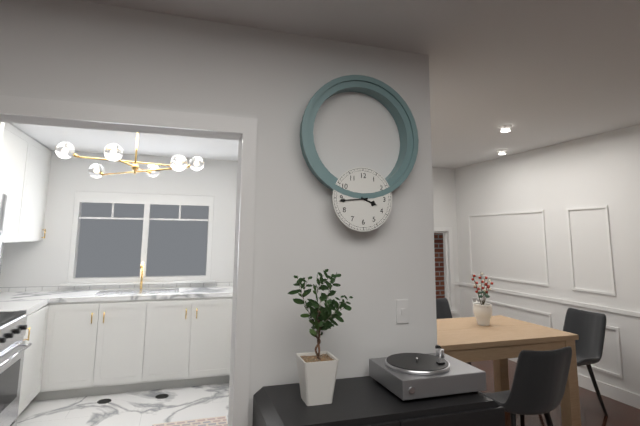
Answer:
3,44
